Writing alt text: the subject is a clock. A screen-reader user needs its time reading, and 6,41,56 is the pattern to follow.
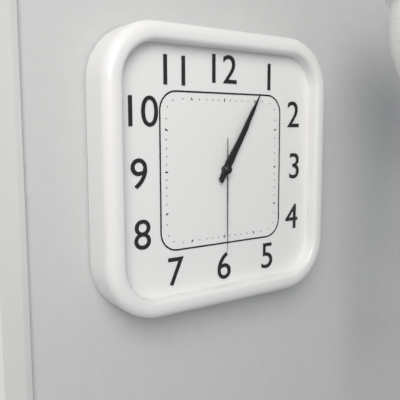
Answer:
1,05,30
